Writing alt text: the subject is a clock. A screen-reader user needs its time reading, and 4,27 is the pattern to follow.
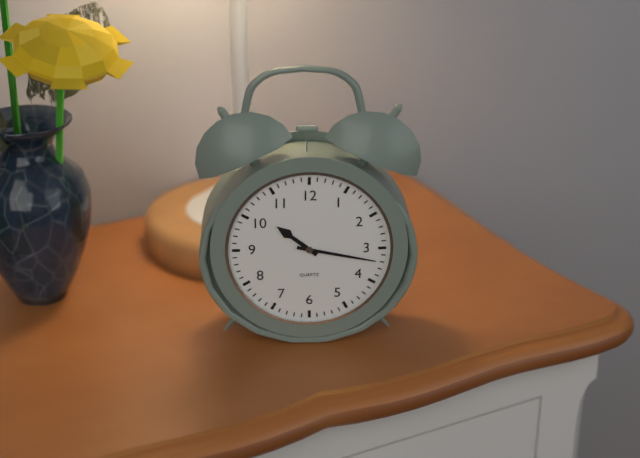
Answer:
10,17
